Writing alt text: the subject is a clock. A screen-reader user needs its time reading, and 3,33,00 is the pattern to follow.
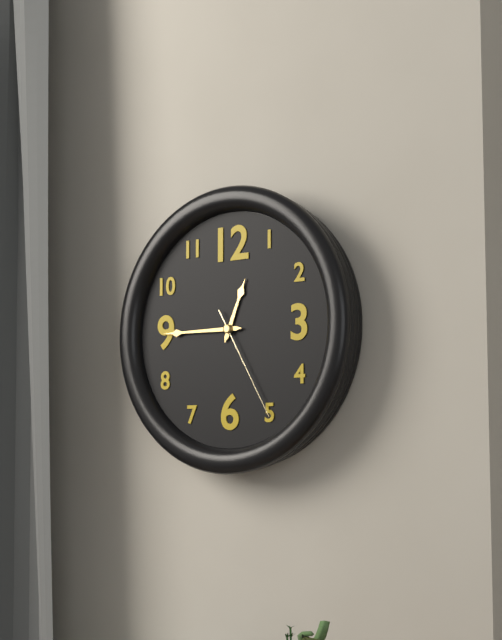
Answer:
12,45,25
